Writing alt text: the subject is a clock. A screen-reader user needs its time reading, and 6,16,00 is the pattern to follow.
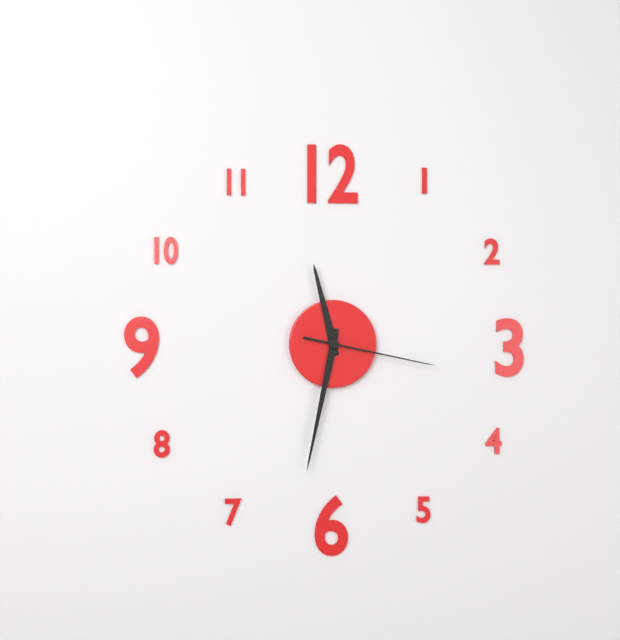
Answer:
11,32,17
